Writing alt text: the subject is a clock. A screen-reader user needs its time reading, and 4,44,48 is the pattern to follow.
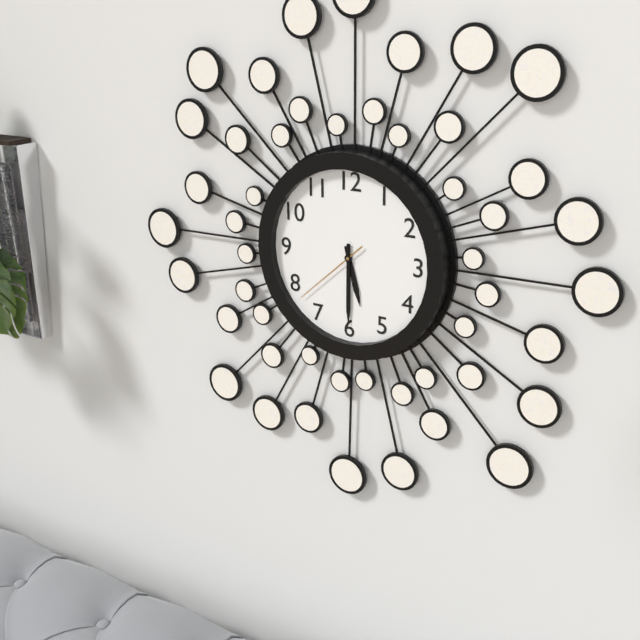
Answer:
5,30,38
